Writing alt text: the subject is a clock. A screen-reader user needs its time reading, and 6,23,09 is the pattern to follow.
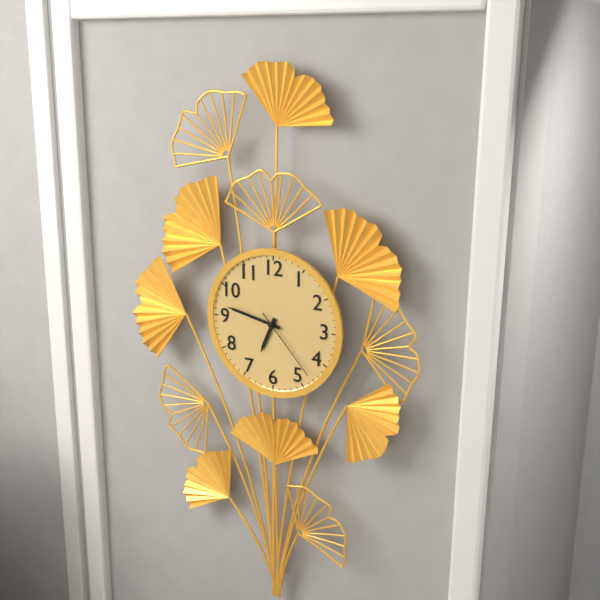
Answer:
6,47,23
